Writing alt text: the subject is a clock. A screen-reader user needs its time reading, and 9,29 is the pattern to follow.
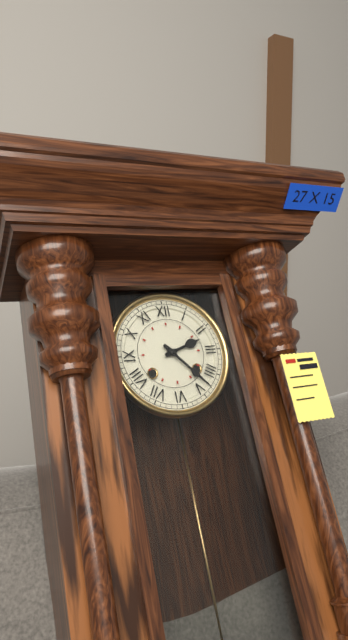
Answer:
2,23
